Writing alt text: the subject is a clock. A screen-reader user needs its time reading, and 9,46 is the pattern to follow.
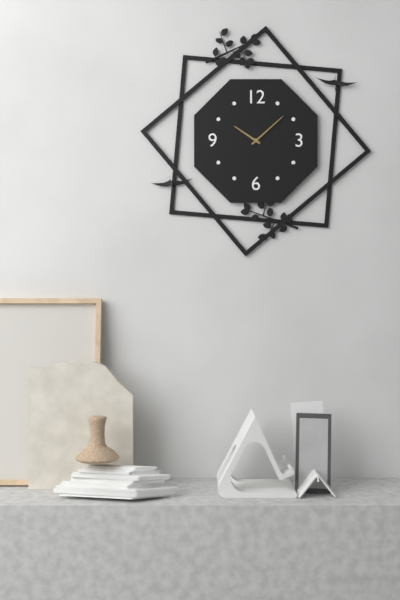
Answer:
10,08
